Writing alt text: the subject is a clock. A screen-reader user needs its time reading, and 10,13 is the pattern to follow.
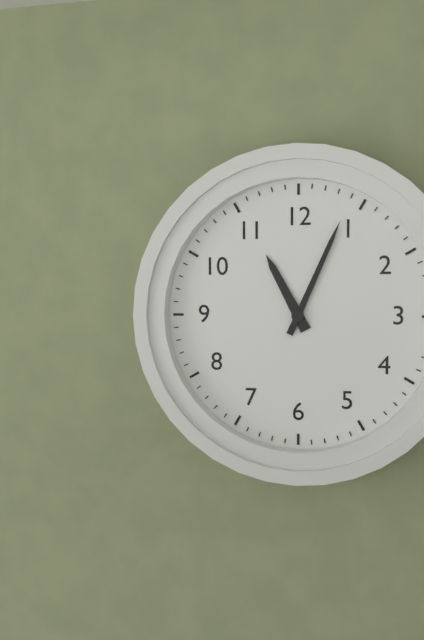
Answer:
11,04
